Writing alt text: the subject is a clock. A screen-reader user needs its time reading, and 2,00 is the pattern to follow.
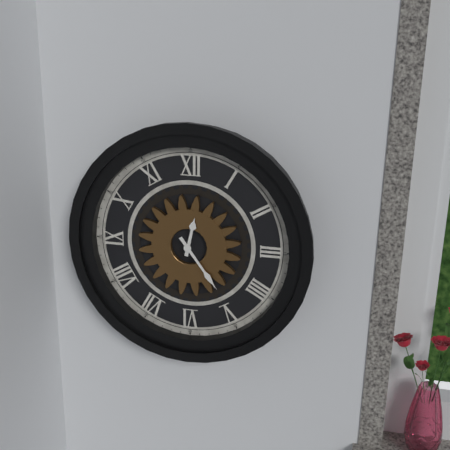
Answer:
12,24
